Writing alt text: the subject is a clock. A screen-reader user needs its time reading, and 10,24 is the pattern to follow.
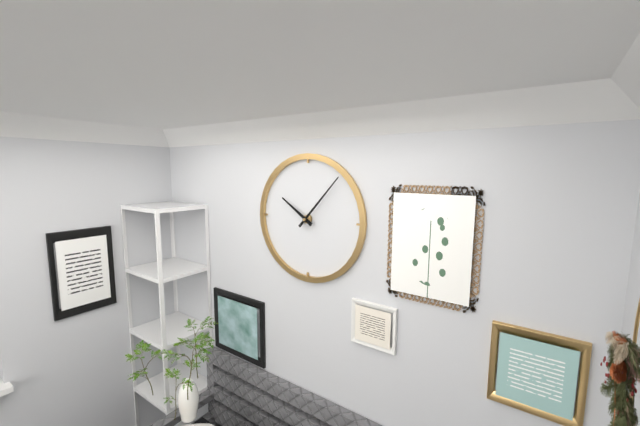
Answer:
10,07
